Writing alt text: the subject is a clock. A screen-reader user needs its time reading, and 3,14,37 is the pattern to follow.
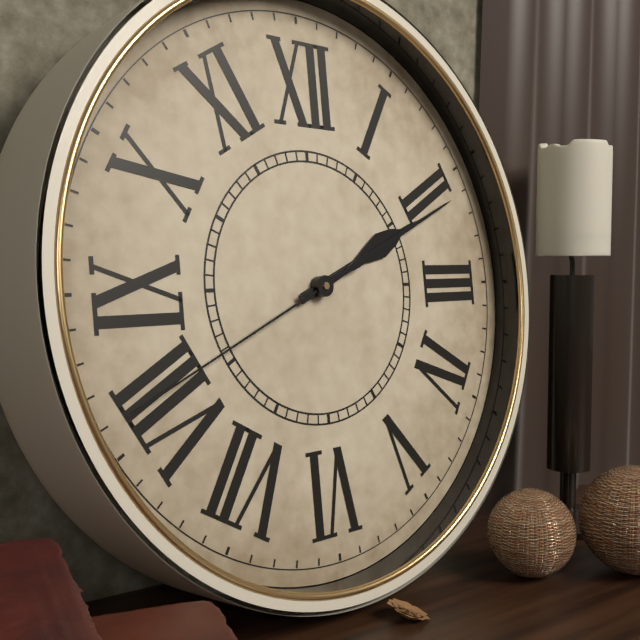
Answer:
2,11,41
